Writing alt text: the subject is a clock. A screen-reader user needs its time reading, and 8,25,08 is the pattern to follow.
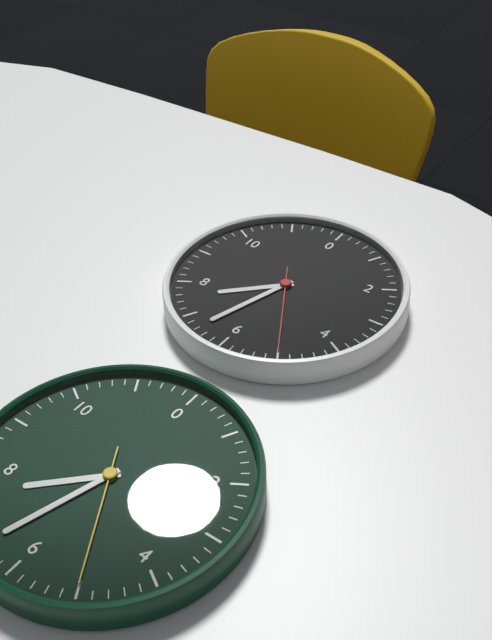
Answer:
7,33,25
